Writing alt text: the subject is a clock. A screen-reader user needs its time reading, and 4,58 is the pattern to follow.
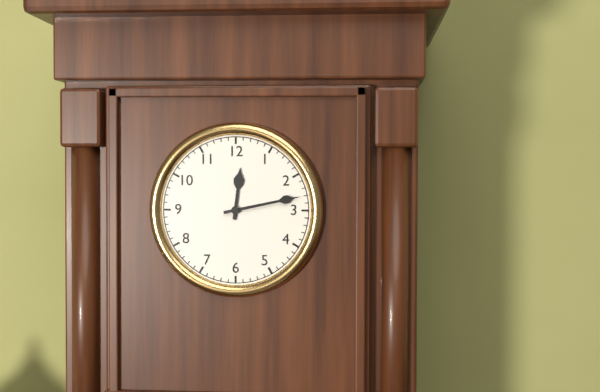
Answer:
12,13
